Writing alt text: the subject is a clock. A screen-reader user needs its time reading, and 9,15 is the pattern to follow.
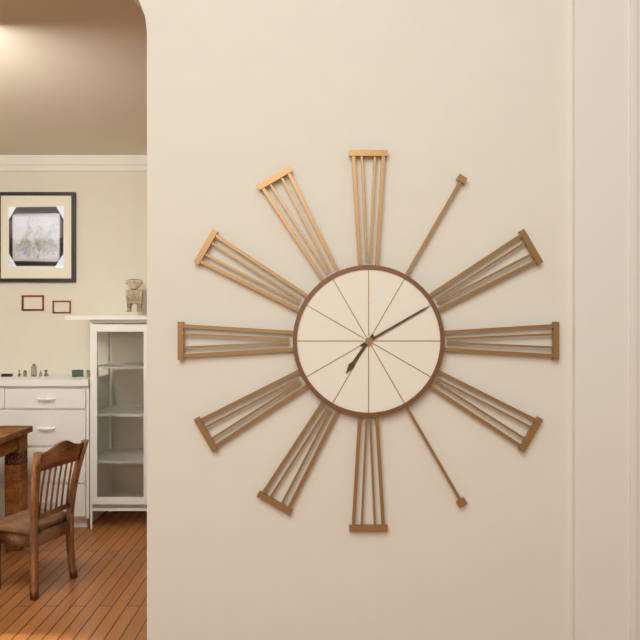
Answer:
7,10
